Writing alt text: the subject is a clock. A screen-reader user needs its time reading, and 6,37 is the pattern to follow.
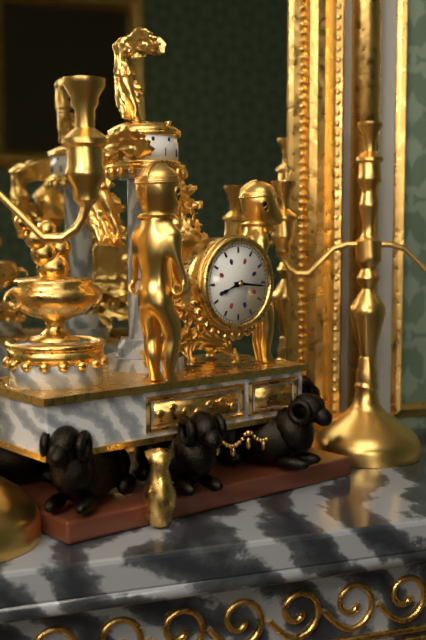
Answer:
8,16
